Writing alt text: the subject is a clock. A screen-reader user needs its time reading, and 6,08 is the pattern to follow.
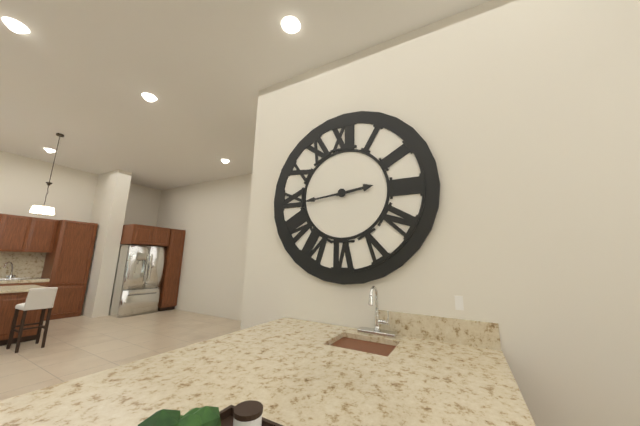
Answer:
2,44
